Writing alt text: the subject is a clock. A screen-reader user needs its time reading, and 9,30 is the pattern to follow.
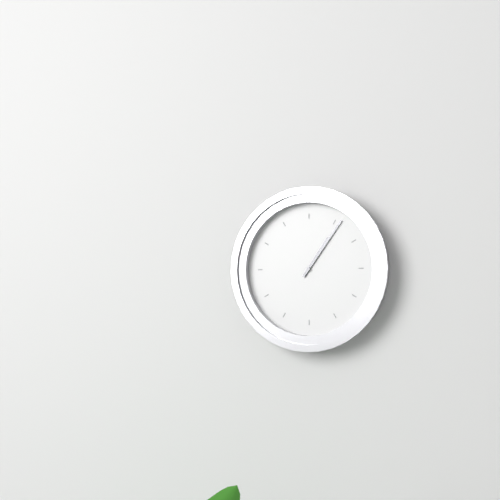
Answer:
1,06
